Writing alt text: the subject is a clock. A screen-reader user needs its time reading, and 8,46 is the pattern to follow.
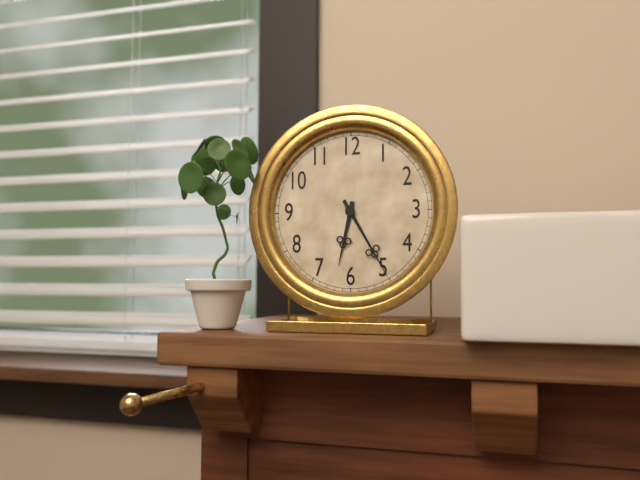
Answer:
6,25
